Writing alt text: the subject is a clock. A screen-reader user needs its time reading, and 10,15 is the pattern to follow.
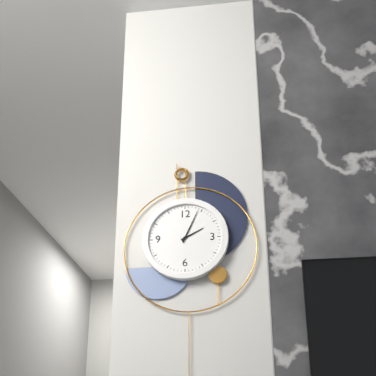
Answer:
2,04
